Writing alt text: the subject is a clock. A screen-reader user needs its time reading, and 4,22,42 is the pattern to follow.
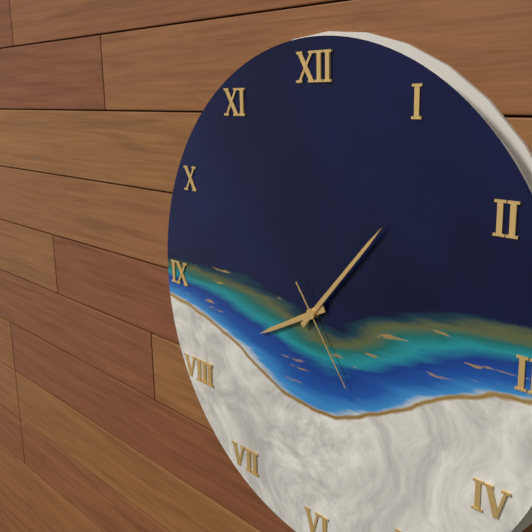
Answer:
8,07,24
